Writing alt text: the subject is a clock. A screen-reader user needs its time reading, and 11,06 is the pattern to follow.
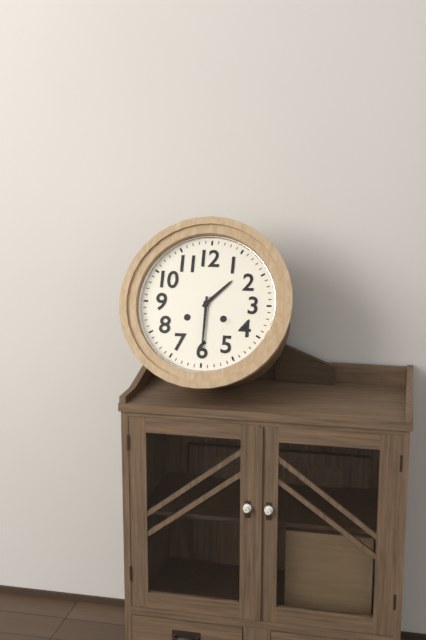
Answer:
1,30
